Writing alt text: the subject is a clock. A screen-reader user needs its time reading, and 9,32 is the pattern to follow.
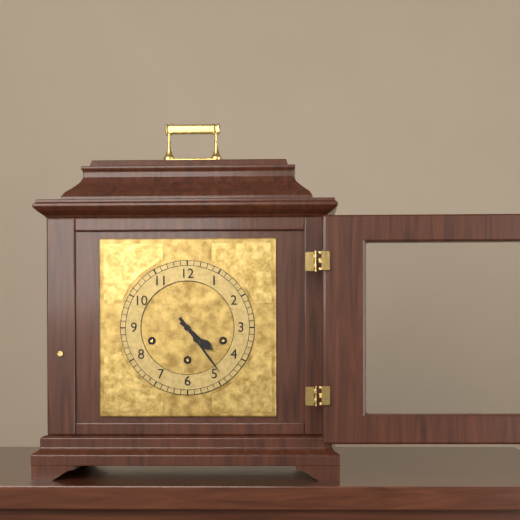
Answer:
4,24
